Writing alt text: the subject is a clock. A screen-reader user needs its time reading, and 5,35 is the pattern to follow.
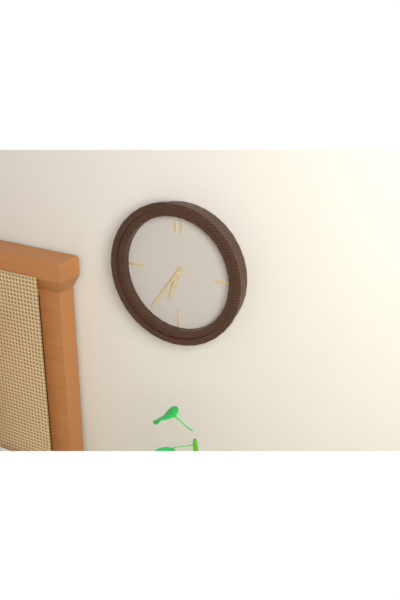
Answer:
6,36
